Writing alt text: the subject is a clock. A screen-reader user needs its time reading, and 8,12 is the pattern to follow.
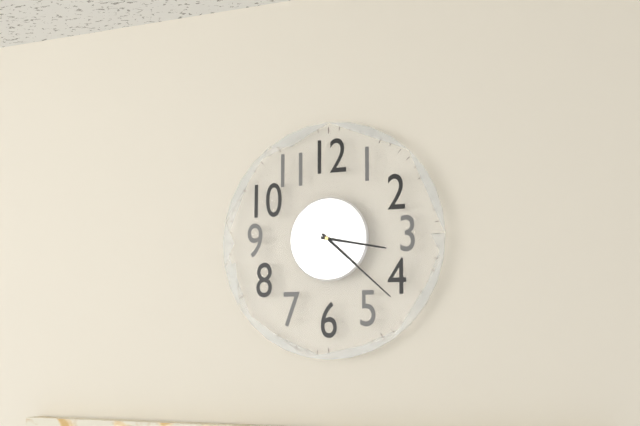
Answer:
3,22
